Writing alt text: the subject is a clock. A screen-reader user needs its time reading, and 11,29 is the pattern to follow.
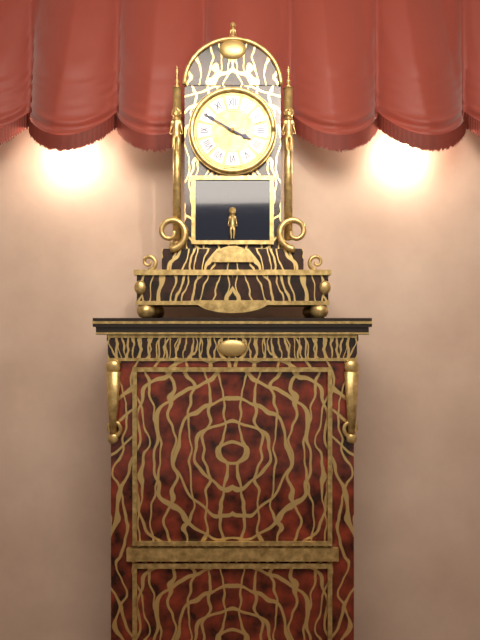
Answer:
3,50
